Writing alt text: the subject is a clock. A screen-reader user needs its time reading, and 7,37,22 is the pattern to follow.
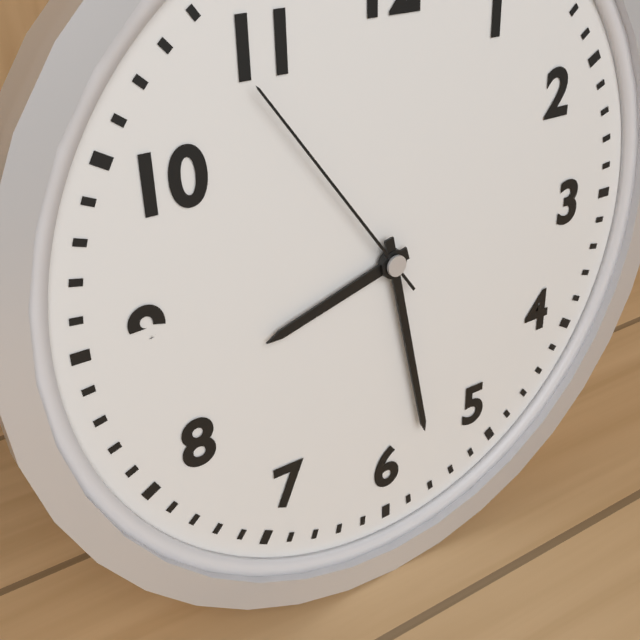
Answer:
8,28,54
